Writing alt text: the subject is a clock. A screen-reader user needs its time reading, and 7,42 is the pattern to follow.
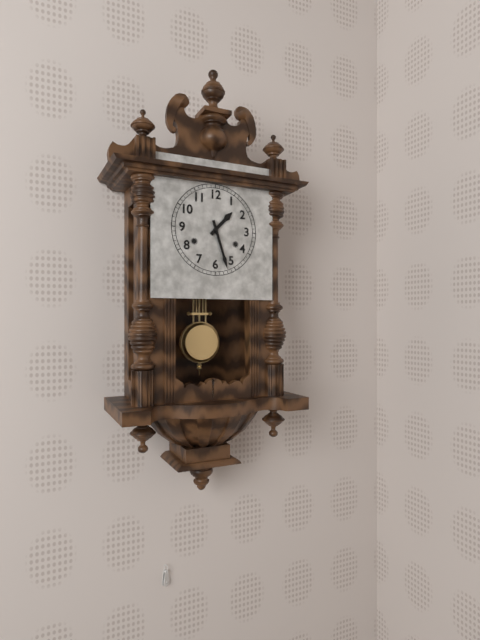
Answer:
1,27
